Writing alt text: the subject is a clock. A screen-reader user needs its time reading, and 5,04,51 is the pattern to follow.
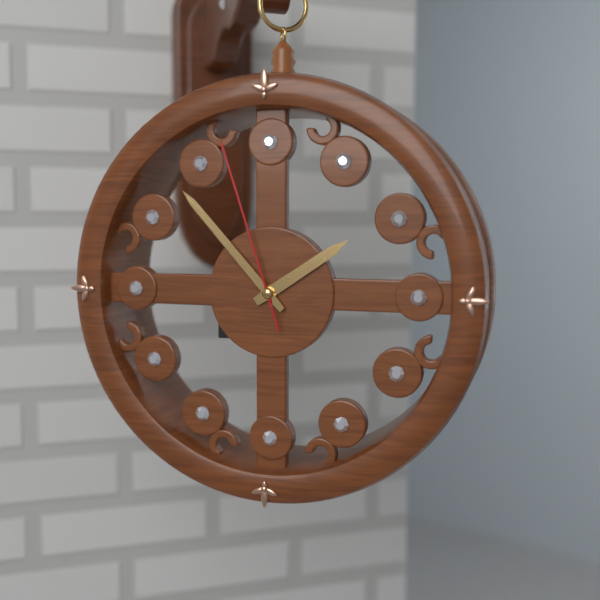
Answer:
1,53,57
